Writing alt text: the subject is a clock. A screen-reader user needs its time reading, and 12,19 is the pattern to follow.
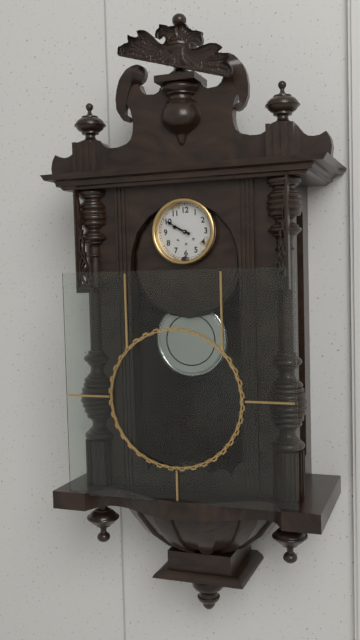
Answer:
9,50
